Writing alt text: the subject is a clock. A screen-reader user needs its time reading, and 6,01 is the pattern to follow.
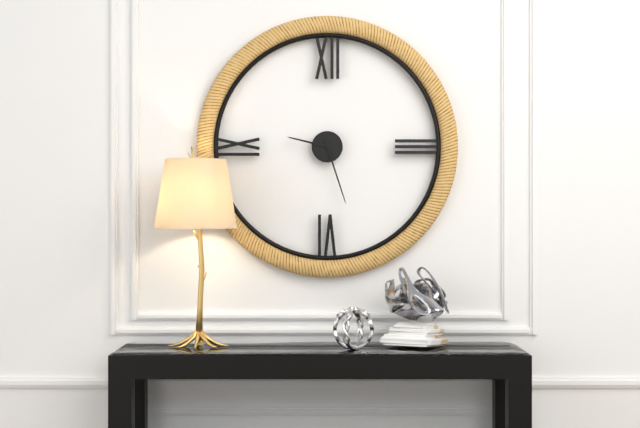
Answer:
9,27
